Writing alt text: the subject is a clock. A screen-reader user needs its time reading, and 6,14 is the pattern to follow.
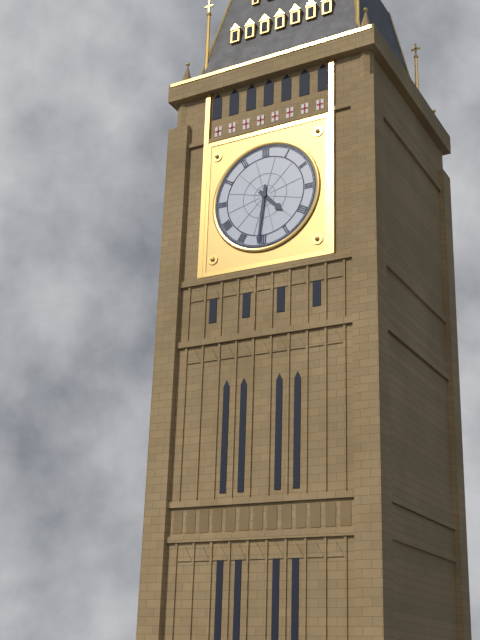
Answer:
4,31
